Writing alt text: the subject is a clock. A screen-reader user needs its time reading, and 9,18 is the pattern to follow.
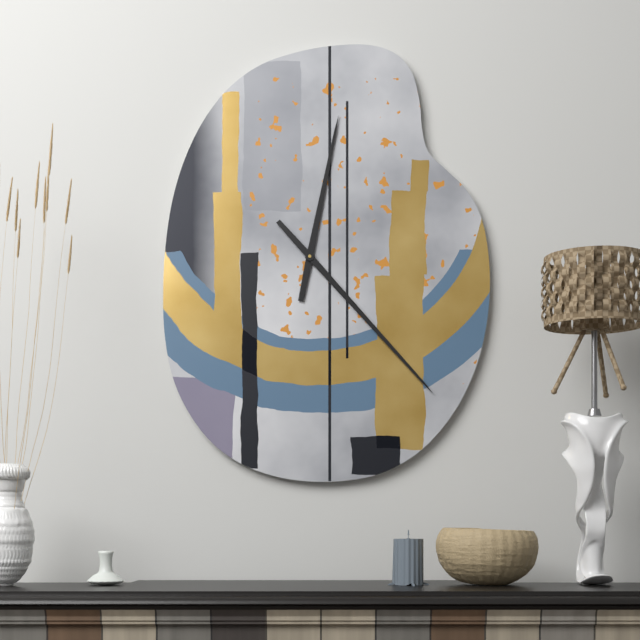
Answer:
12,23
